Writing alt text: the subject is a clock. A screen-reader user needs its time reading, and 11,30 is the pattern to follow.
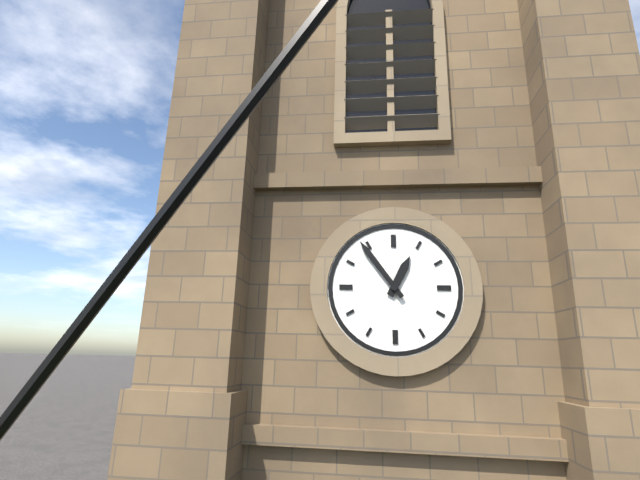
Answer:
12,54
